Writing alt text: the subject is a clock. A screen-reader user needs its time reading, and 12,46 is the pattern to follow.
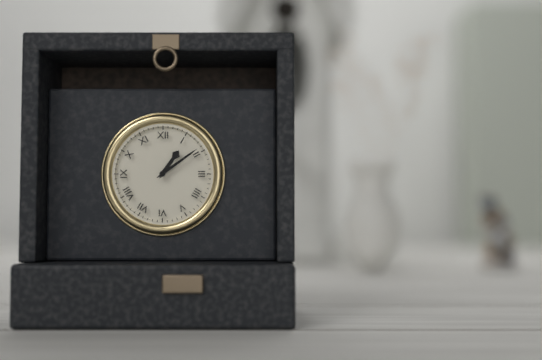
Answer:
1,09
